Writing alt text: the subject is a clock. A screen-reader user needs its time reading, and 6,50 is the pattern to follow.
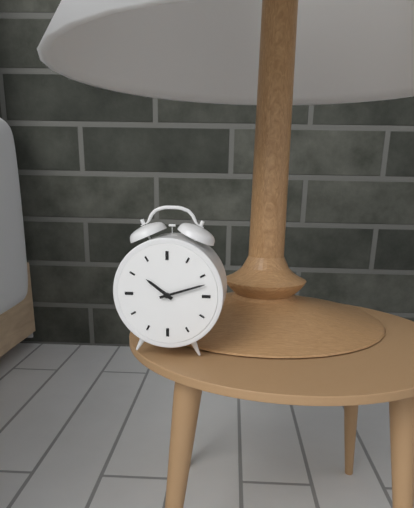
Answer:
10,12
